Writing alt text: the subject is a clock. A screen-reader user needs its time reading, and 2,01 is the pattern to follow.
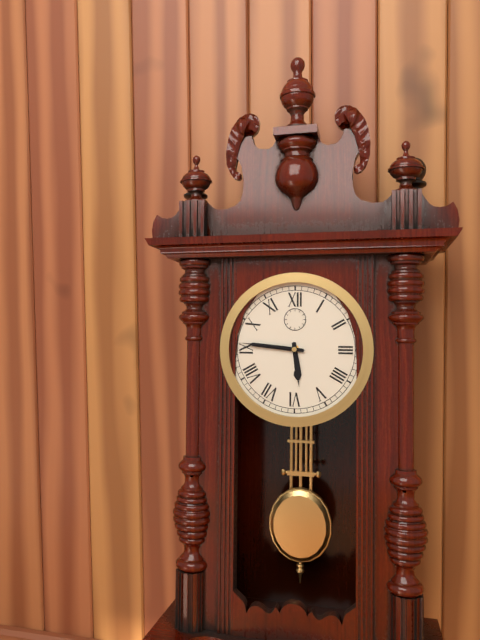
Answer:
5,46
